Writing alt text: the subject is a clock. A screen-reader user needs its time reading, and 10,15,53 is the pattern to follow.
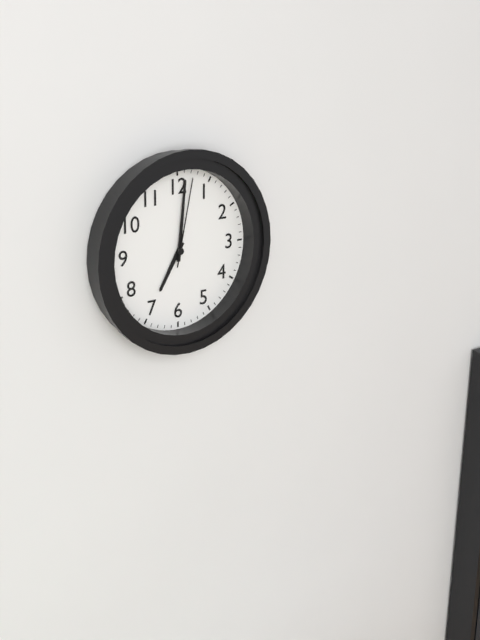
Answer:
7,01,02
